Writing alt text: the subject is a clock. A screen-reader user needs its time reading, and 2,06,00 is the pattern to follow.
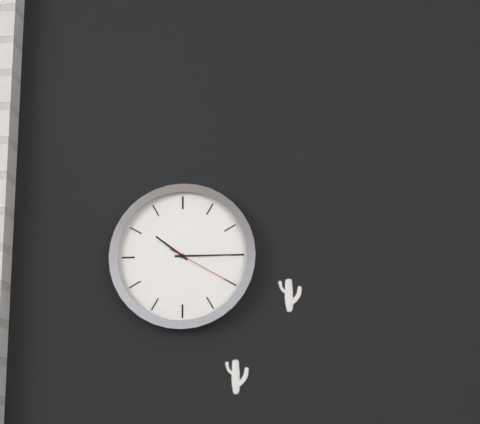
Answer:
10,15,20
